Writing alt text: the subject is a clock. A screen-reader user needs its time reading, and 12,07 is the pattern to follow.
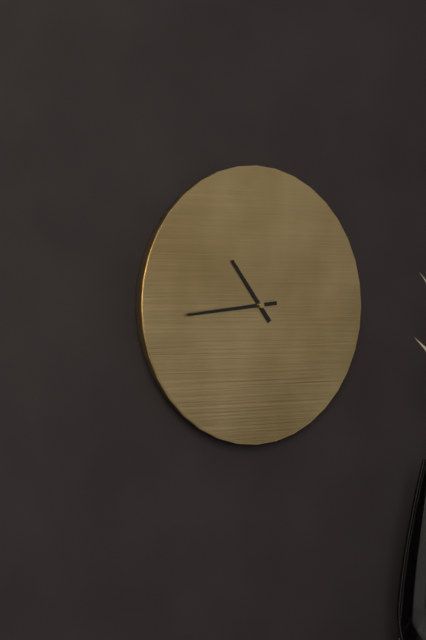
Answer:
10,44
